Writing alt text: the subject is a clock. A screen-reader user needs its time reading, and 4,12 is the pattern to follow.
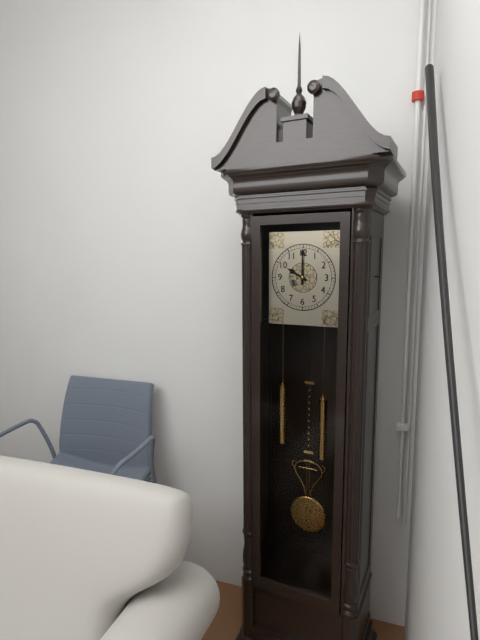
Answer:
10,00
